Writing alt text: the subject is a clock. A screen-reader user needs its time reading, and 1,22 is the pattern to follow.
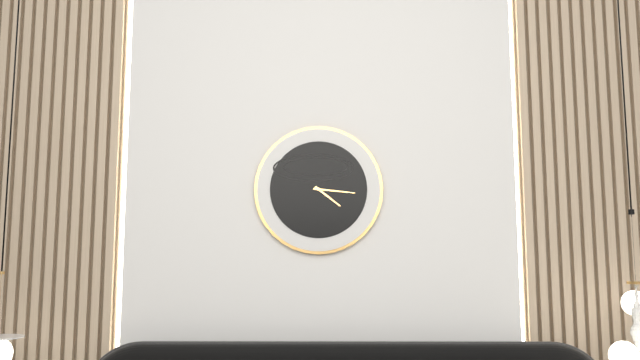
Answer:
4,16
